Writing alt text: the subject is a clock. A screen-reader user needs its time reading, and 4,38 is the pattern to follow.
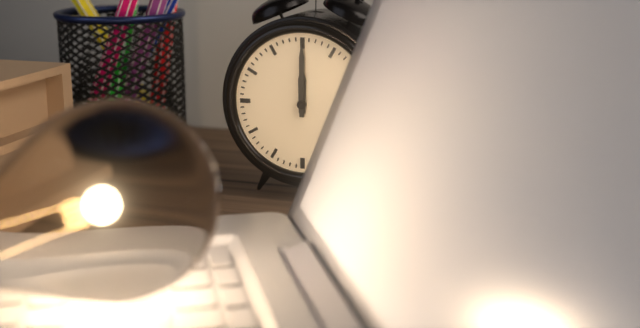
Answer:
12,00
